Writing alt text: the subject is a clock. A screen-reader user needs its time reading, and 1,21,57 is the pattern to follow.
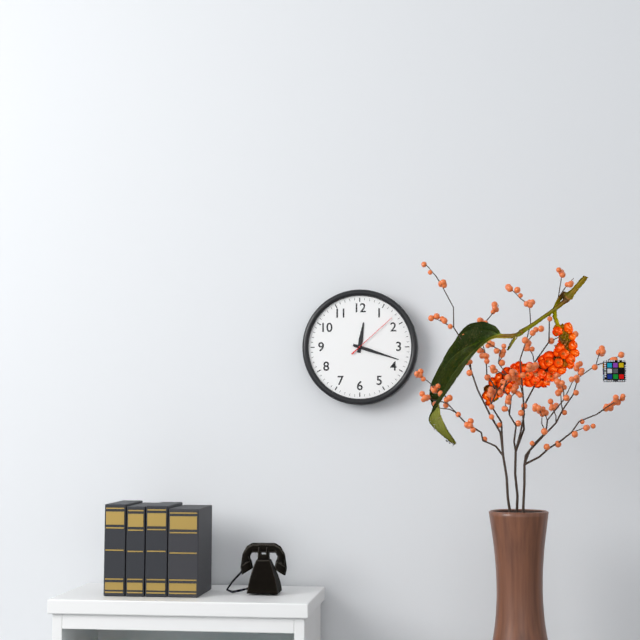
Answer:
12,18,08
